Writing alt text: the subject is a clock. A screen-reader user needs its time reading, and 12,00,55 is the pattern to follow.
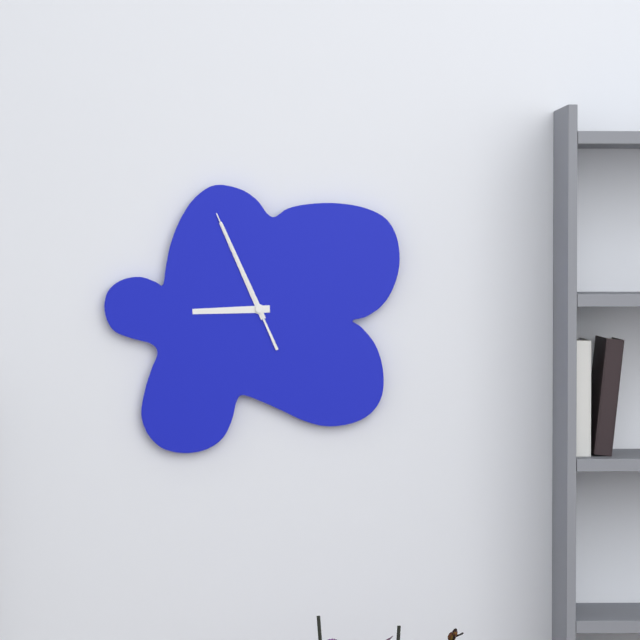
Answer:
8,56,56
